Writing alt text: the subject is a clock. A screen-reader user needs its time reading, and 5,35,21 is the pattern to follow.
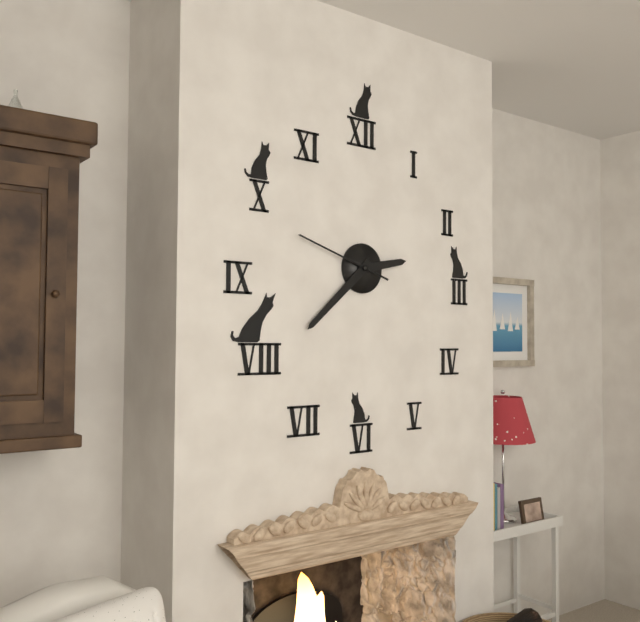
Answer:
2,38,48
